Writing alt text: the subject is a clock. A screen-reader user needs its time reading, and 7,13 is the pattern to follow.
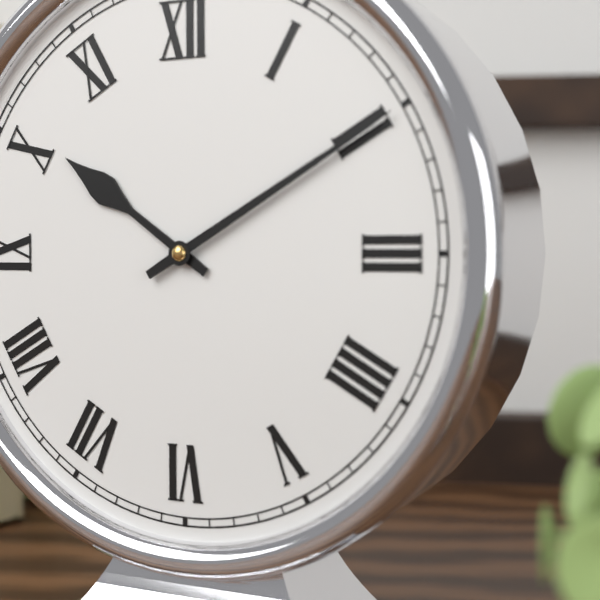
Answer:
10,10
